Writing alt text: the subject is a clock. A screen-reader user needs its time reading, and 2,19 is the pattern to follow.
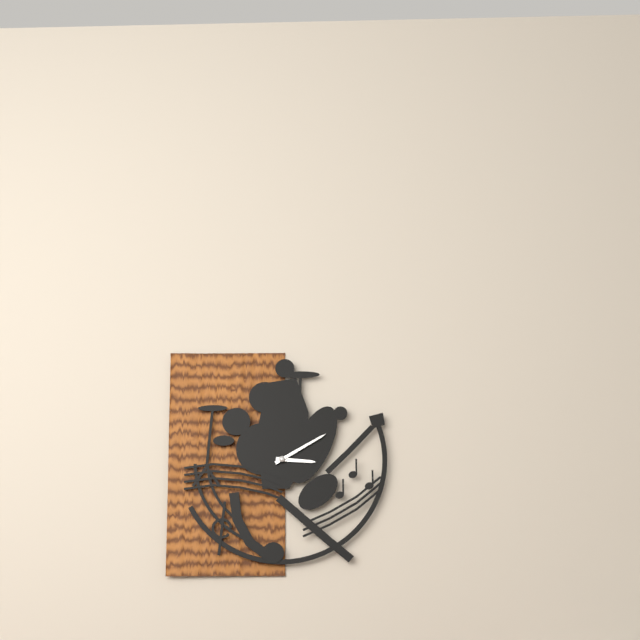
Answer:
3,10
